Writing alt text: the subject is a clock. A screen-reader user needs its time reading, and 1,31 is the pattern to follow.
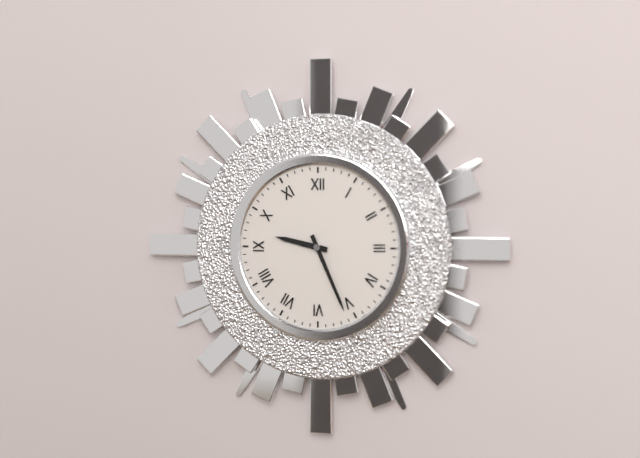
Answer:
9,26
